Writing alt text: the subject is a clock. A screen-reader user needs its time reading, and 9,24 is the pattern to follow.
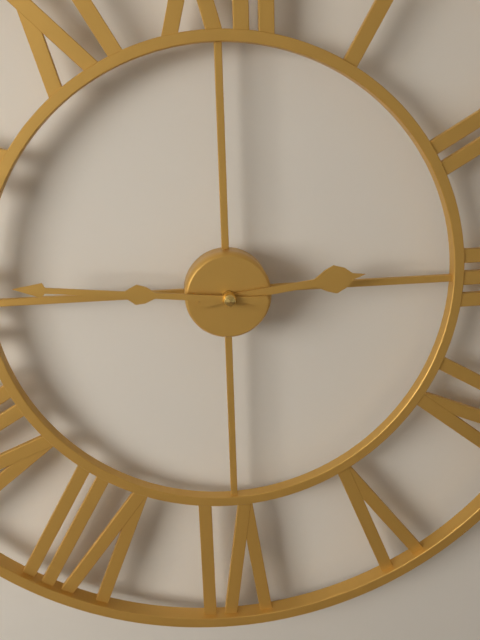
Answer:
2,46
